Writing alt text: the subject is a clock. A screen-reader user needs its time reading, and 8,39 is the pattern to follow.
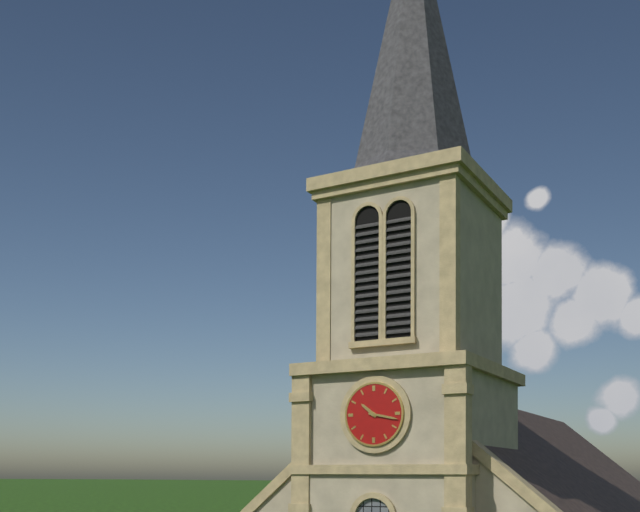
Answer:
10,17
